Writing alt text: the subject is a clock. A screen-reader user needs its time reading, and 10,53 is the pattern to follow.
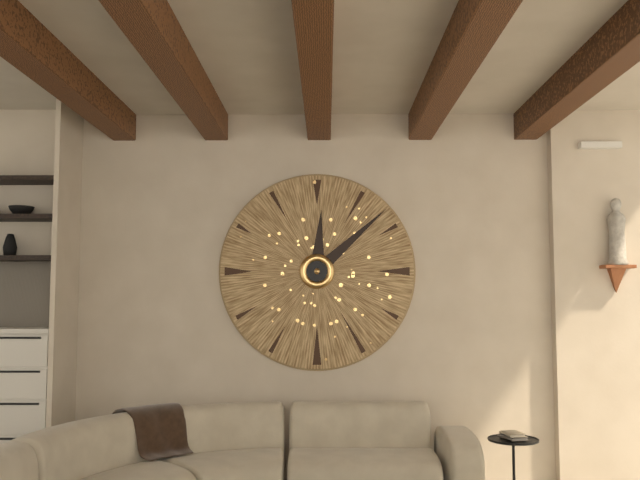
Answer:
12,08
